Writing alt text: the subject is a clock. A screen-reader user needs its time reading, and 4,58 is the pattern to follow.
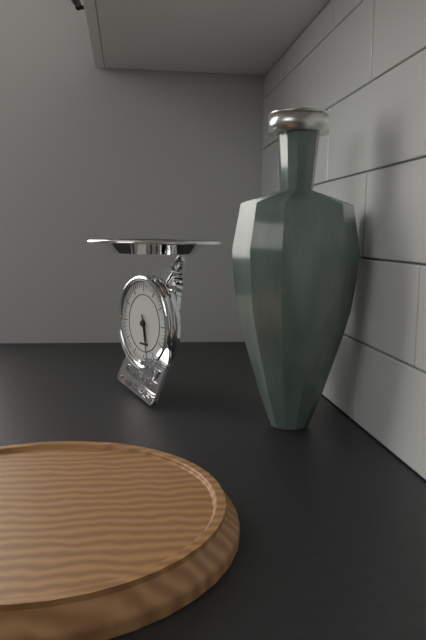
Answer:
5,28
